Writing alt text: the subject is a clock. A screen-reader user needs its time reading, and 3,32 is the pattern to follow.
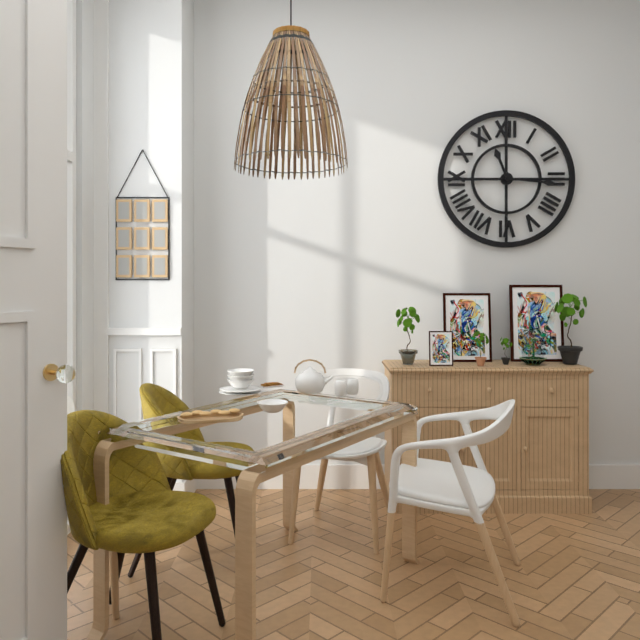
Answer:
11,16
